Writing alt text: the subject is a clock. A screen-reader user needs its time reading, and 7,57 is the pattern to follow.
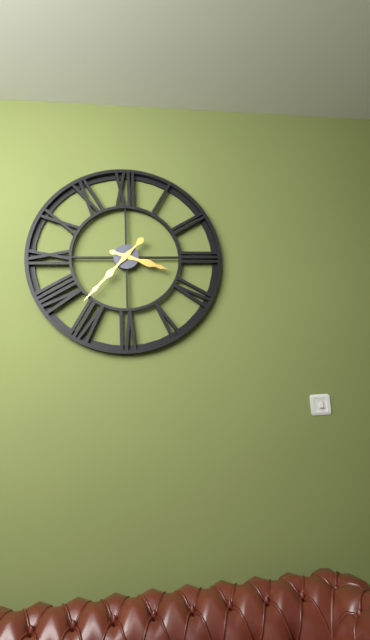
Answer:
3,37
